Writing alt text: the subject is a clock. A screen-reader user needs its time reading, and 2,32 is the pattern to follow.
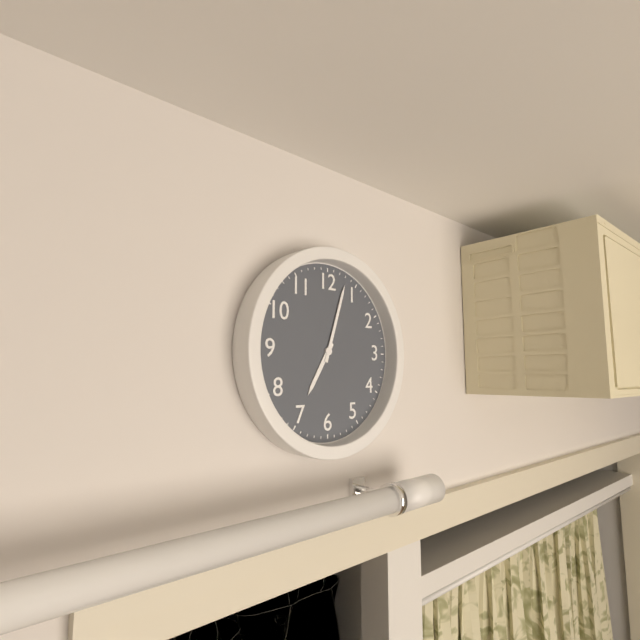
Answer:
7,03
